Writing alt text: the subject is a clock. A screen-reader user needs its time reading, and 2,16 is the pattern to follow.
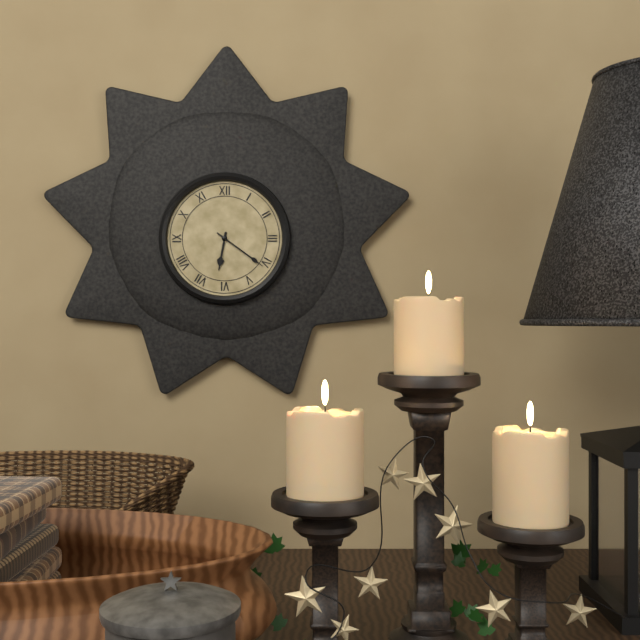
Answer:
6,21
